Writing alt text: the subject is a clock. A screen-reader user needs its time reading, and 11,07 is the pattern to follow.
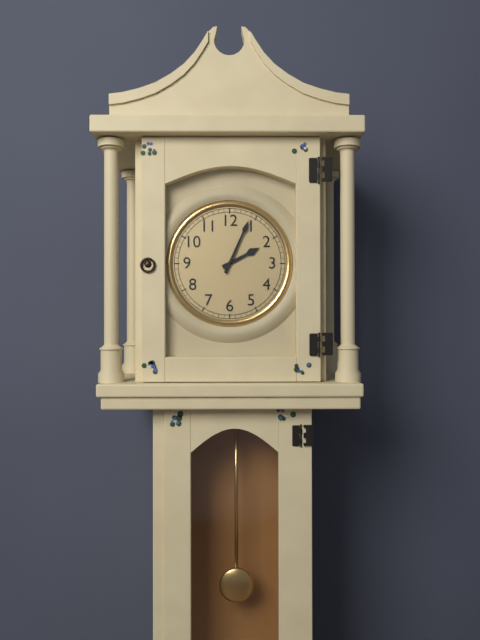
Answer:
2,04
